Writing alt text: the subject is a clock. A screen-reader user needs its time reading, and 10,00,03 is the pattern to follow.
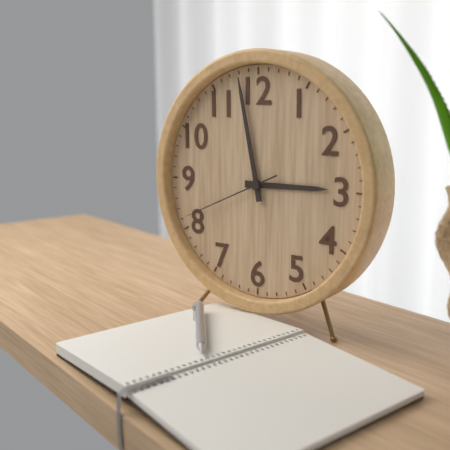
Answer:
2,58,41
